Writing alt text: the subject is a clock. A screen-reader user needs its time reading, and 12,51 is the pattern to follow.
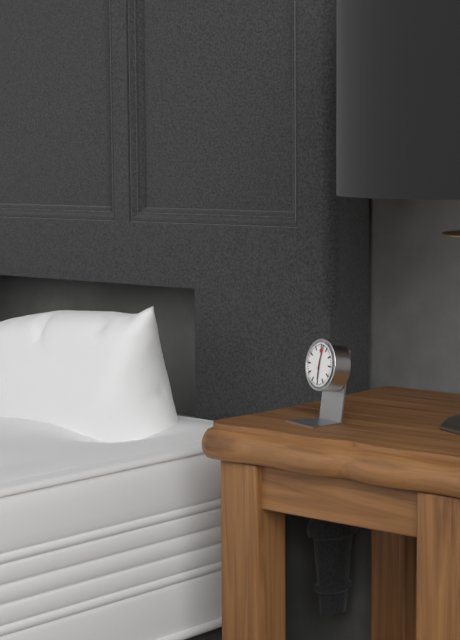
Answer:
6,02
